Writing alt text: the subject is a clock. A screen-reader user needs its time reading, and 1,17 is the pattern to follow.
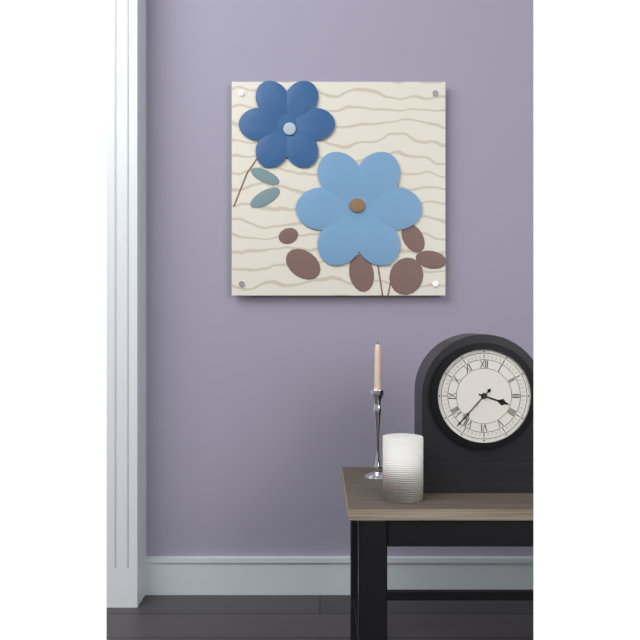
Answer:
3,37
